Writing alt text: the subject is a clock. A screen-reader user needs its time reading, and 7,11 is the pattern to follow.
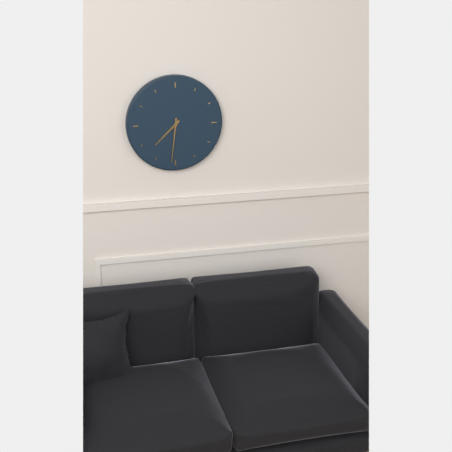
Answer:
7,31
